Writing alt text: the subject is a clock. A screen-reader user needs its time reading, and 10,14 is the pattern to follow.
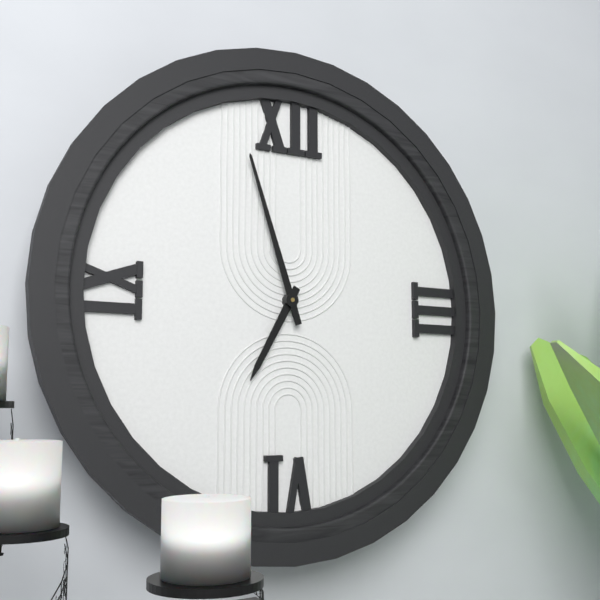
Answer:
6,57
